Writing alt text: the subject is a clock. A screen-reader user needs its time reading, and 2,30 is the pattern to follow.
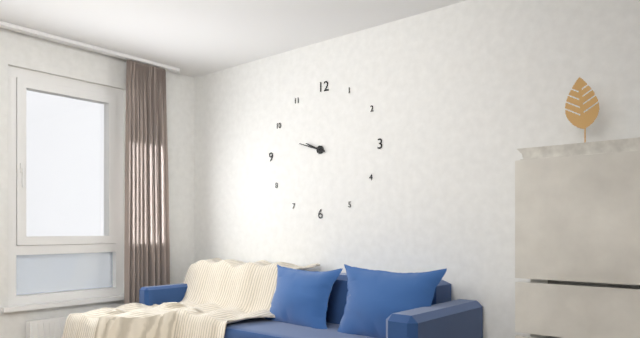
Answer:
9,48
